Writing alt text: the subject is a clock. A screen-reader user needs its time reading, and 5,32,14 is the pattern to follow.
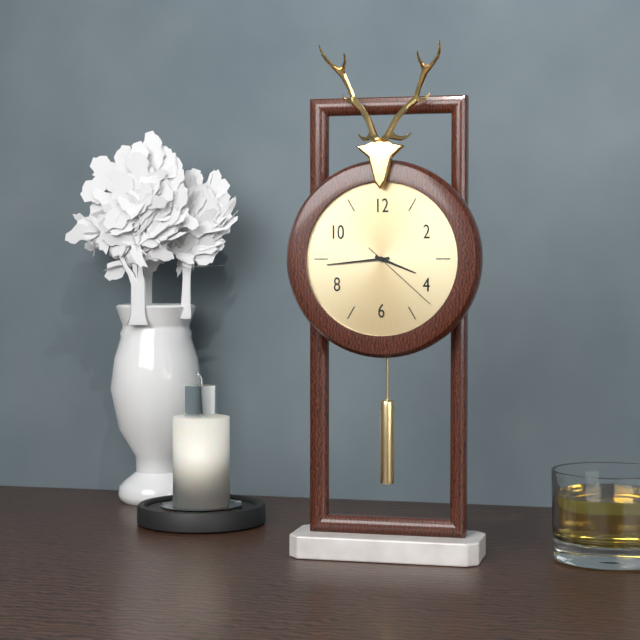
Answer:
3,44,22
